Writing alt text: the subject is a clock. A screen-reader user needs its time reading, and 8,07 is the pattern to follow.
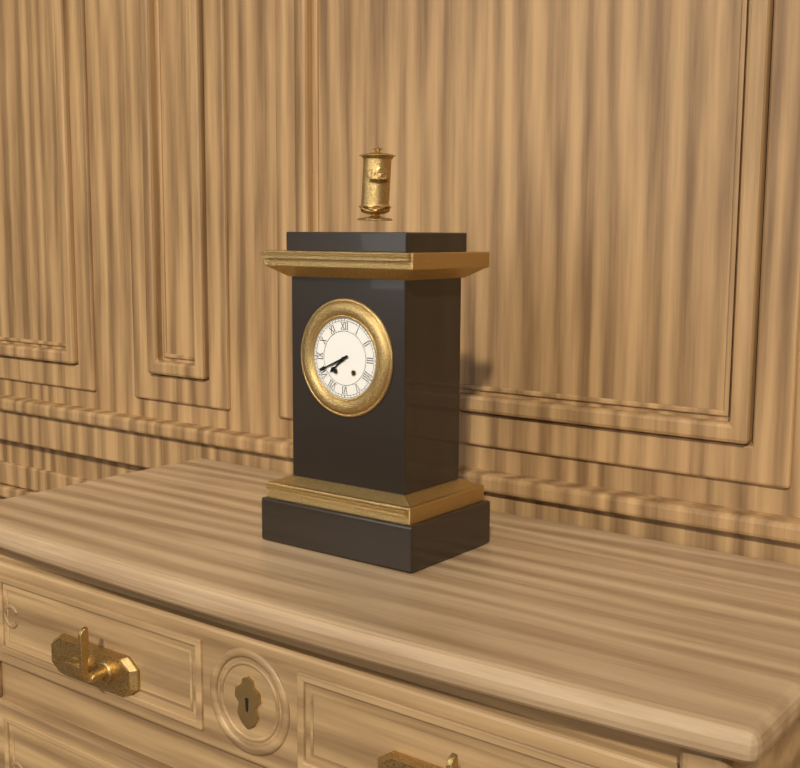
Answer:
7,41
